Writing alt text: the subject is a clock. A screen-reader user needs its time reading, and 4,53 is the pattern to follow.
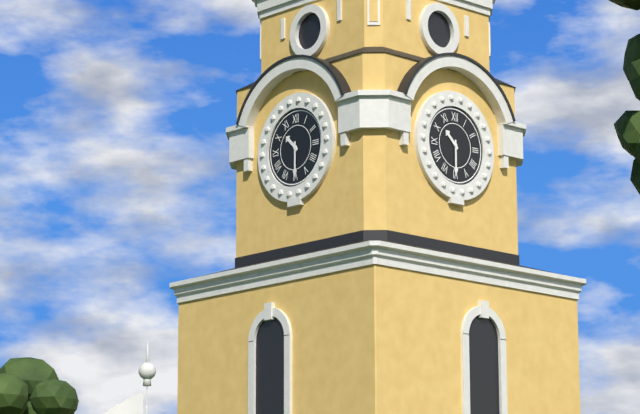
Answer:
10,30
